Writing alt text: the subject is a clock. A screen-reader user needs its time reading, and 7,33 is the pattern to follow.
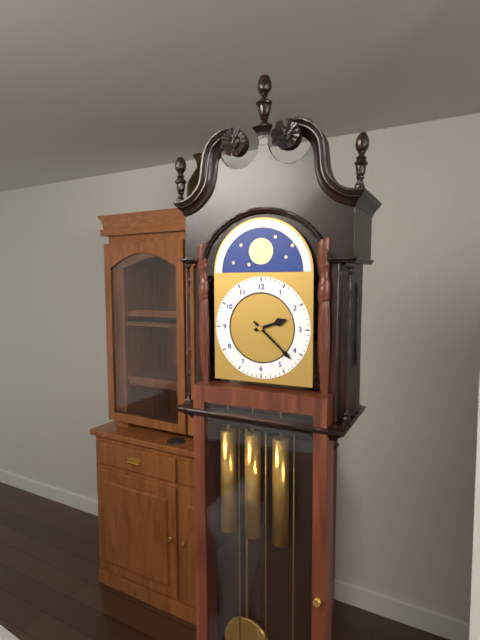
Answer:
2,22
